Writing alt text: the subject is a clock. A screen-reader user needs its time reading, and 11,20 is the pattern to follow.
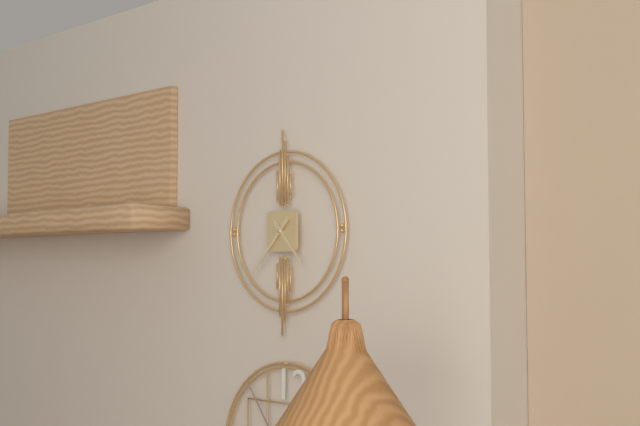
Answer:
4,37
